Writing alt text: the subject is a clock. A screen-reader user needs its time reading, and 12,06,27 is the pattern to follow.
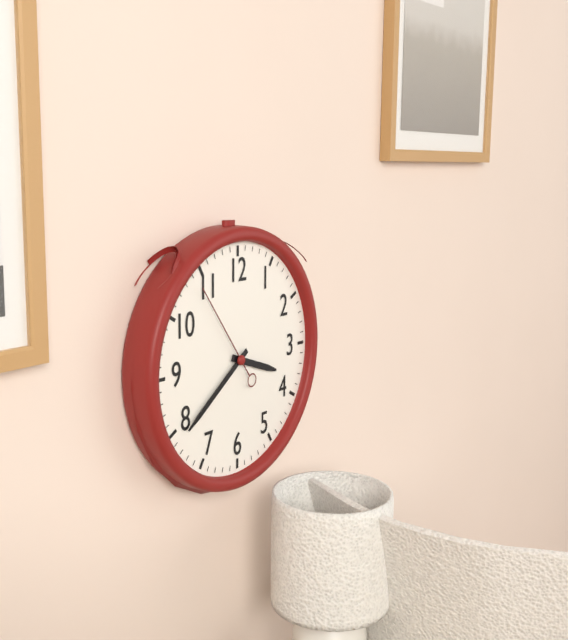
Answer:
3,39,54
